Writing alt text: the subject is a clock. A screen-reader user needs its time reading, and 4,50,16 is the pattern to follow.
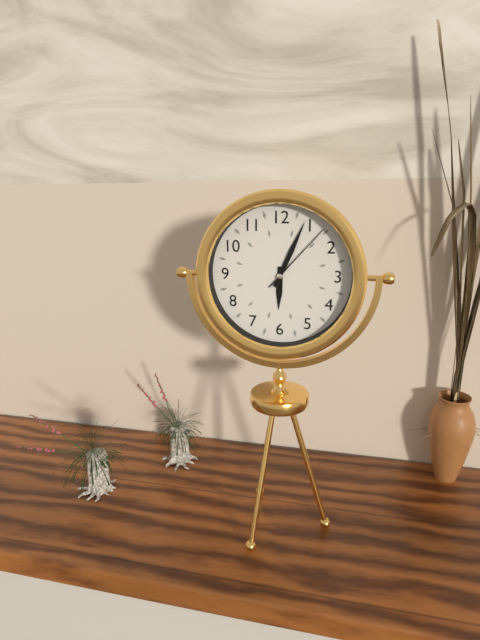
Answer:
6,04,07
